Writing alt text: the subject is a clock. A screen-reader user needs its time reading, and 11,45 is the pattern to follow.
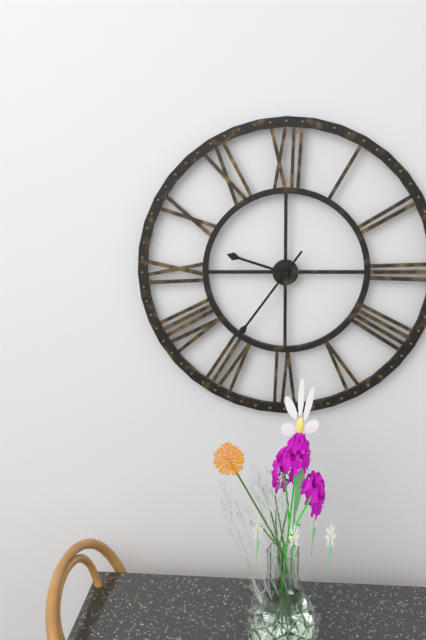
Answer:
9,36
